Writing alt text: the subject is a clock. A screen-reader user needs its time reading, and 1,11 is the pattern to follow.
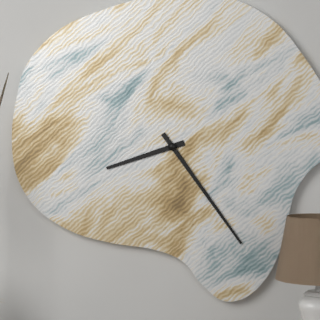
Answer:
8,24
